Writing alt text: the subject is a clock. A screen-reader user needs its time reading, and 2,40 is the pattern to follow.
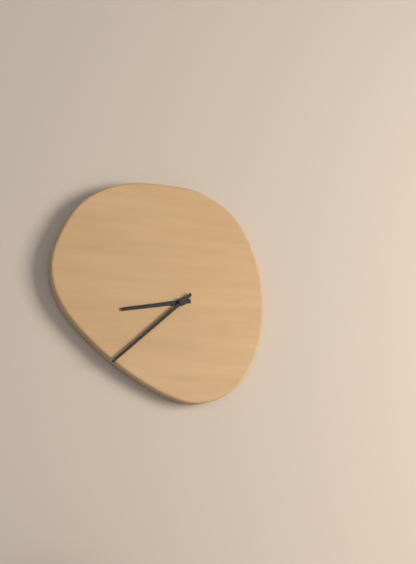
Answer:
8,38
